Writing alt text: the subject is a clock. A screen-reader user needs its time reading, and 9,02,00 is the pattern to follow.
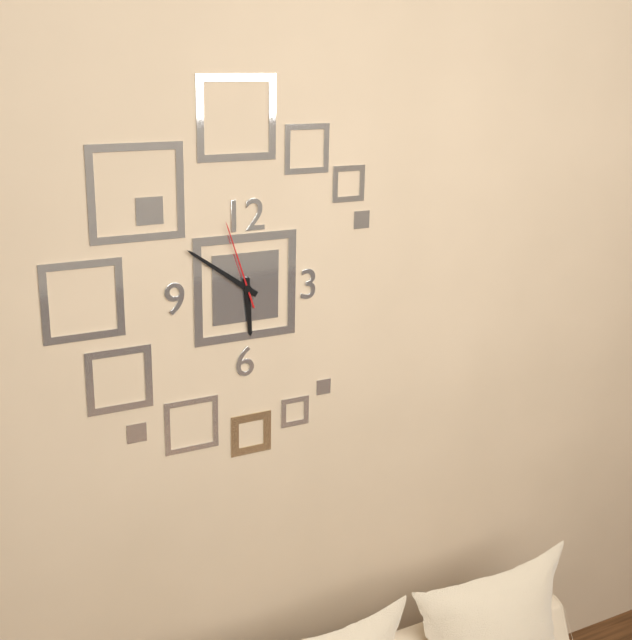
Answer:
5,51,57
